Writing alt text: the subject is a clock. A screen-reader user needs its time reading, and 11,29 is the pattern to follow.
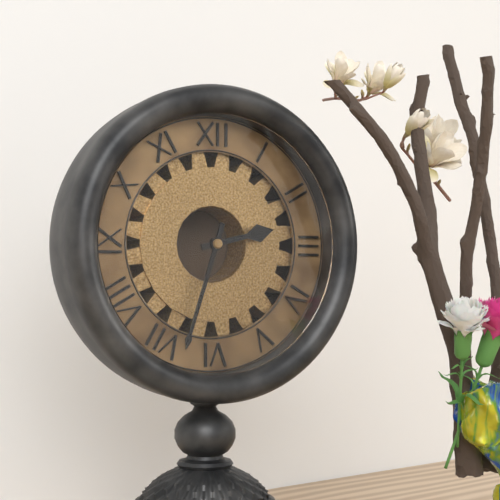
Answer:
2,33
